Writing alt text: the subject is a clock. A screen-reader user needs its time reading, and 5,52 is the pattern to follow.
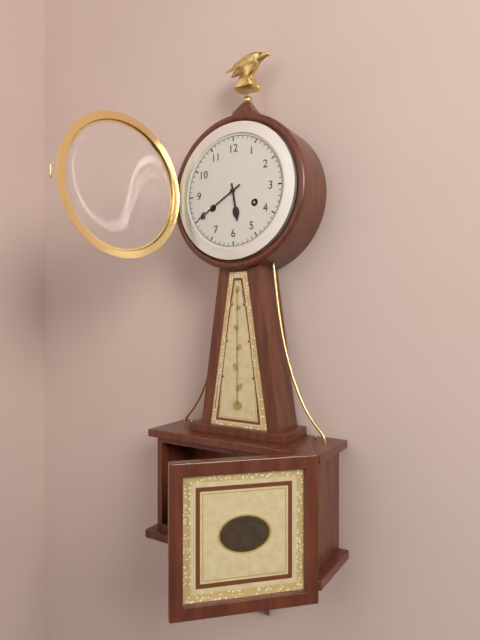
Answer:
5,40
